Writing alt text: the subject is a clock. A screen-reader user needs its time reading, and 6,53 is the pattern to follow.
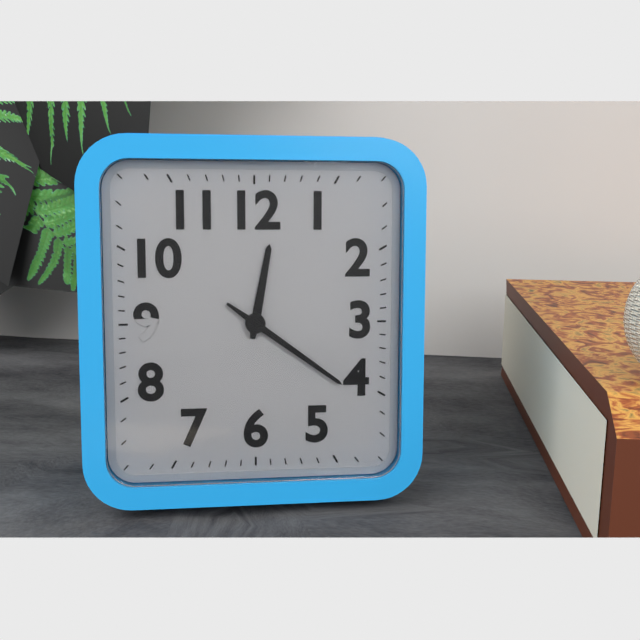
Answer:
12,21
